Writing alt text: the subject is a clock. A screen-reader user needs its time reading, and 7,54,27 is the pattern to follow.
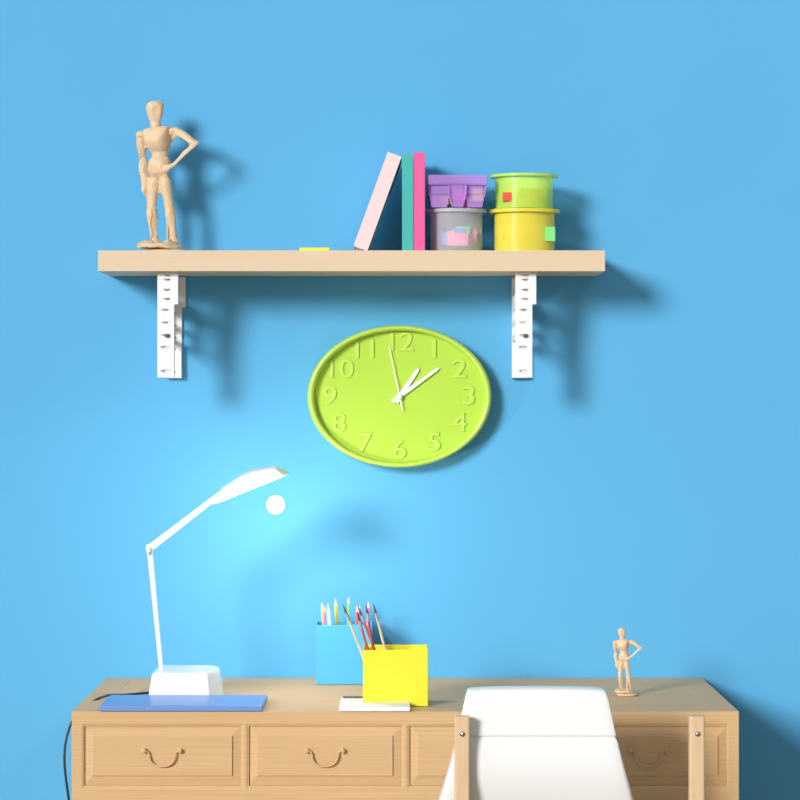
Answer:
1,09,58
